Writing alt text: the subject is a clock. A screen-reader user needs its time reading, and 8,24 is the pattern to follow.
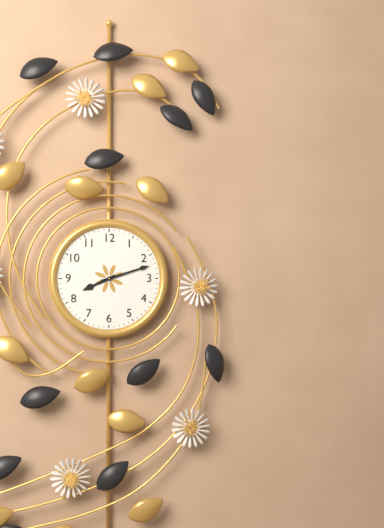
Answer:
8,12
